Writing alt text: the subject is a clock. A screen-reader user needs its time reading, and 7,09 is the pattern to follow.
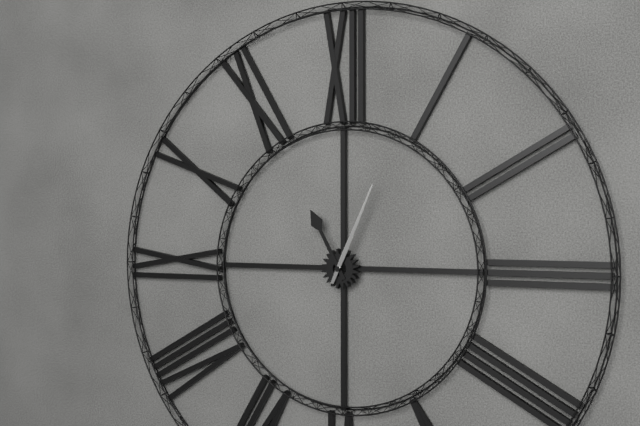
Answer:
11,04
